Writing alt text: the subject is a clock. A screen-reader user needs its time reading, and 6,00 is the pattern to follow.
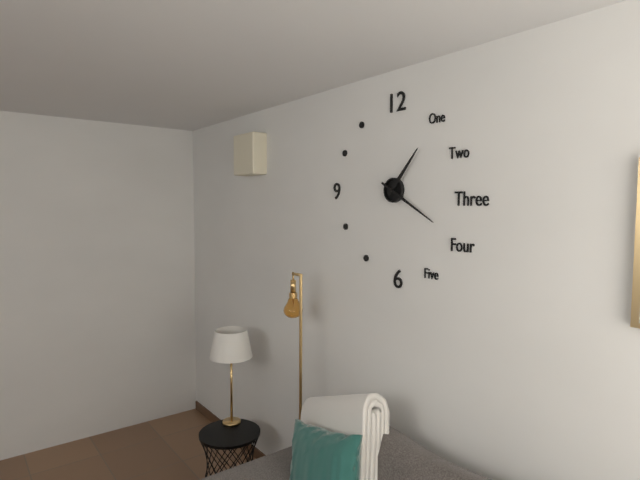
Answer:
1,20
